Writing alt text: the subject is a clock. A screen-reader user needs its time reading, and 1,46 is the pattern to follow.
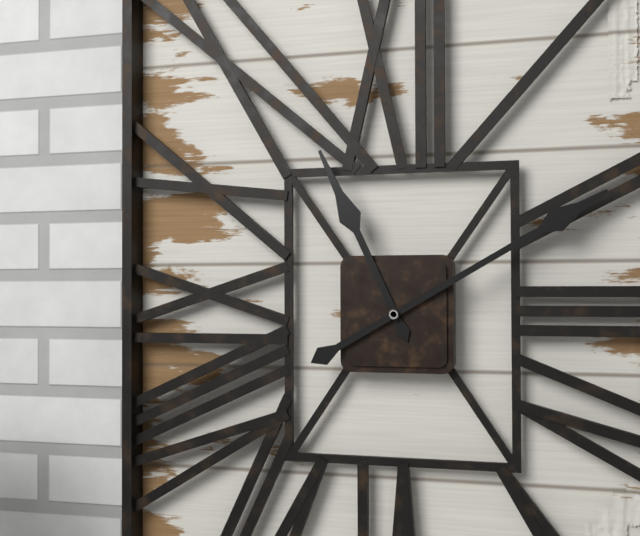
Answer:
11,10
